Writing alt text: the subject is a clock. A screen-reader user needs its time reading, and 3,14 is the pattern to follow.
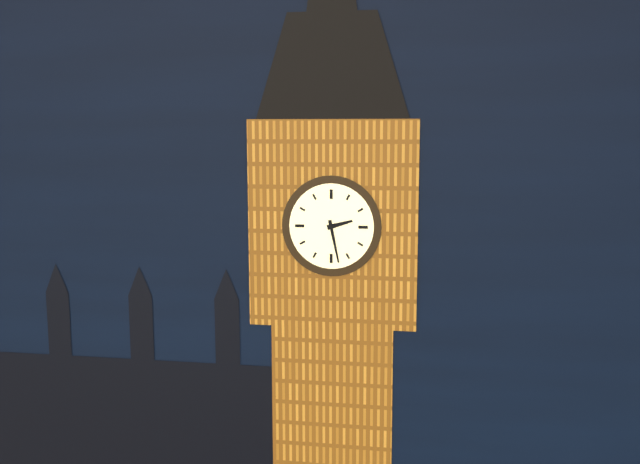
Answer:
2,28
